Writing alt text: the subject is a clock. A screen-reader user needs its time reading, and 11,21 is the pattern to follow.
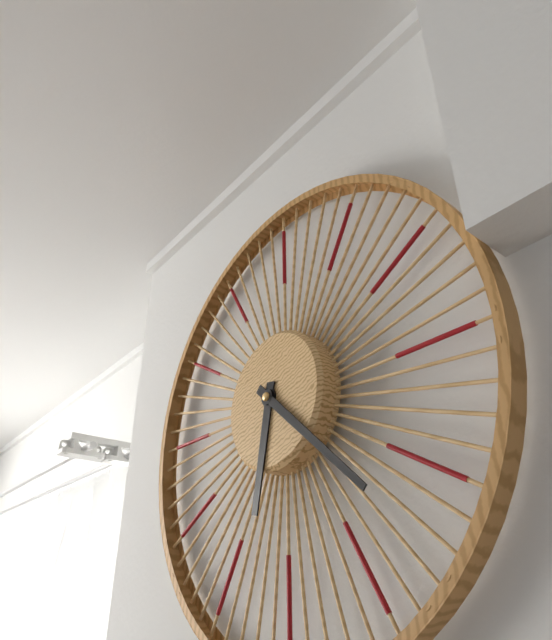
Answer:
6,22
